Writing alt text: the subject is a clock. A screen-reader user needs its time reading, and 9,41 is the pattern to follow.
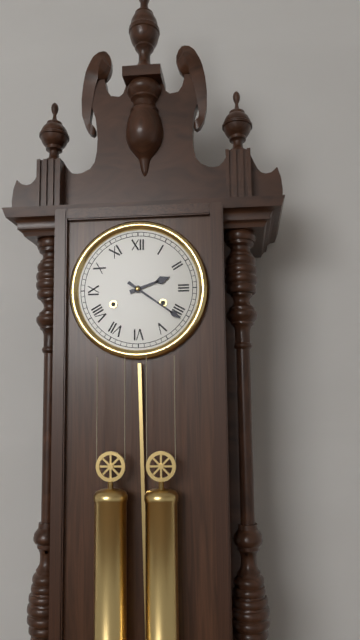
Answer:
2,21
